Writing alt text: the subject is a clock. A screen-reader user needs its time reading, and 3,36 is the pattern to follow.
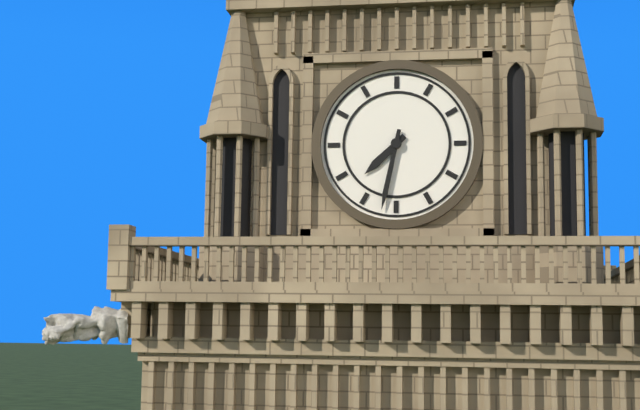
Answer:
7,32
